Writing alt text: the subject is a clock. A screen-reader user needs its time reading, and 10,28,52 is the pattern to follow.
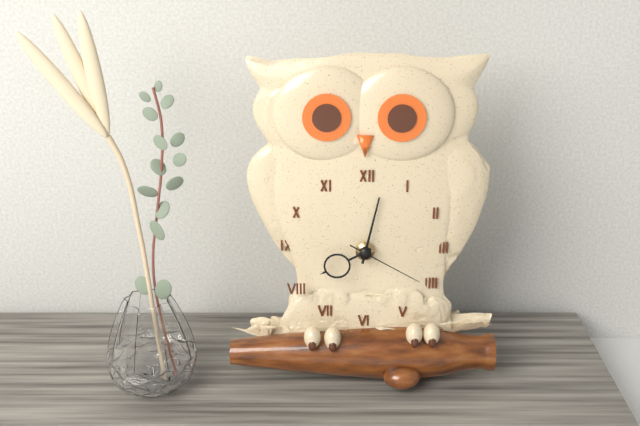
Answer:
8,02,20
